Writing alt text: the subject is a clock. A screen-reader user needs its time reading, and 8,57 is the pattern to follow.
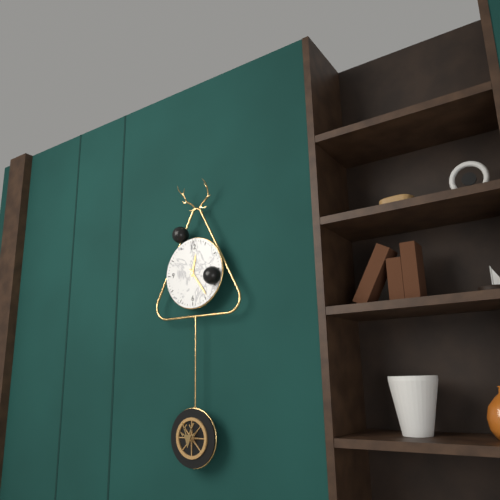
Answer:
12,24
